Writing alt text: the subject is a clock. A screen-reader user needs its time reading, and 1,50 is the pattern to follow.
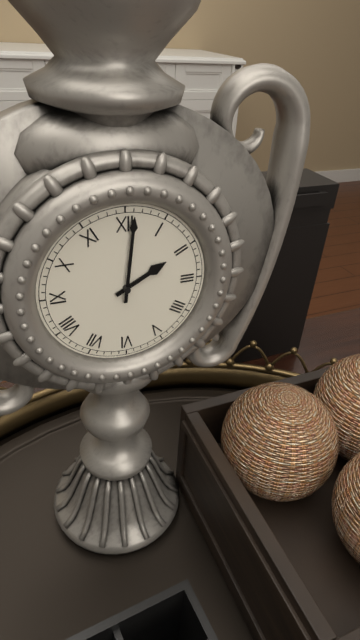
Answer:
2,01
